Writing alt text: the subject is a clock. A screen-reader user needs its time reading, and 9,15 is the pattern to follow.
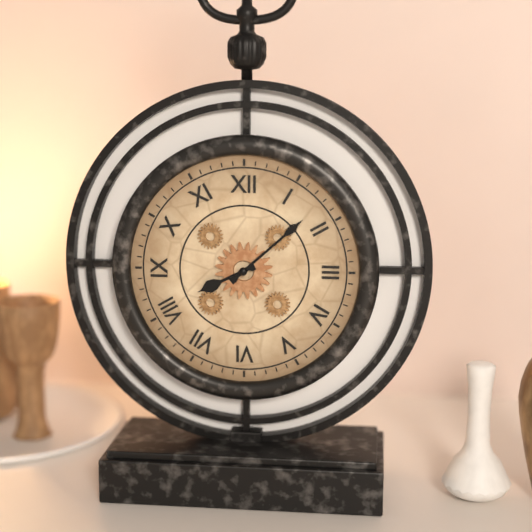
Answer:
8,08
